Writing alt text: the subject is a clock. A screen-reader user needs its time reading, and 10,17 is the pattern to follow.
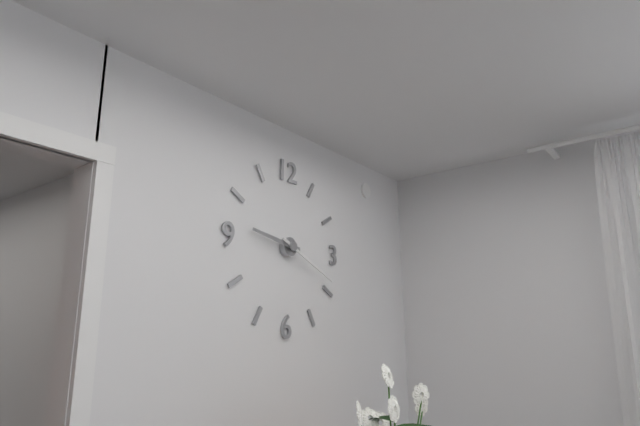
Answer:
9,19
